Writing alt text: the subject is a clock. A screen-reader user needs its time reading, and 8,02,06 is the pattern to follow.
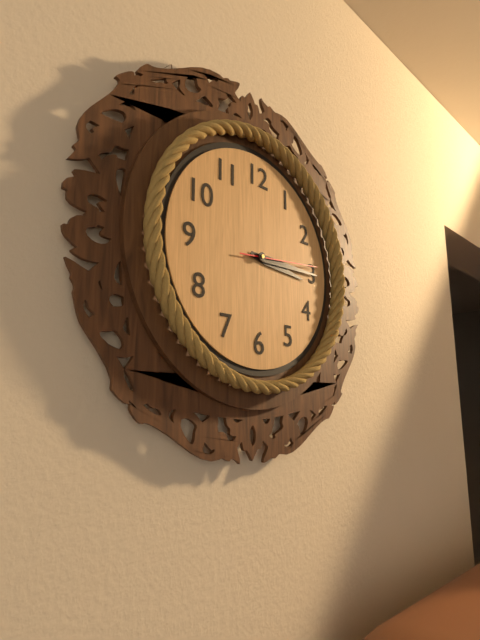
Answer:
3,15,14
